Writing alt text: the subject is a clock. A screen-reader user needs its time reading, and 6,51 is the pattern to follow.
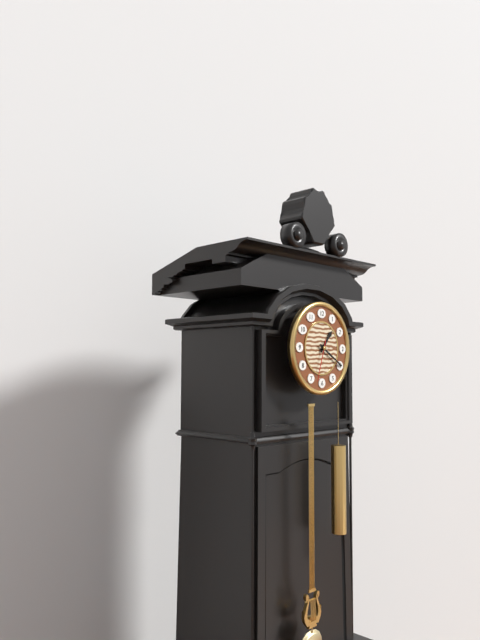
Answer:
1,20
